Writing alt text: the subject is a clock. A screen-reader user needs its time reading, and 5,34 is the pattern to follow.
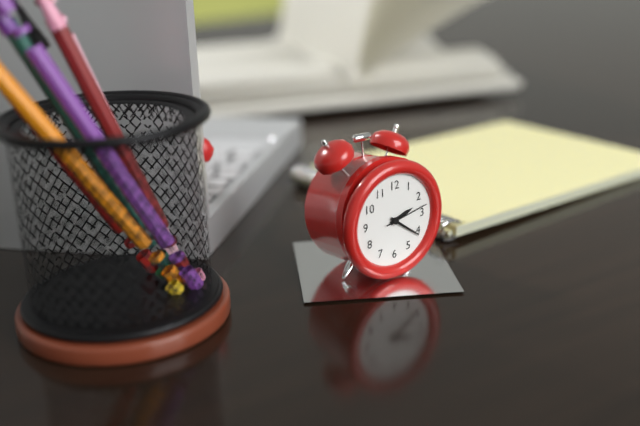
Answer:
2,21
